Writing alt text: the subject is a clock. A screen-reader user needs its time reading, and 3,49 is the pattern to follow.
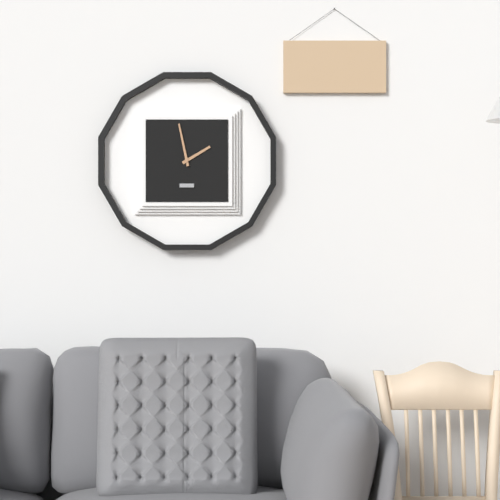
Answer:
1,58
